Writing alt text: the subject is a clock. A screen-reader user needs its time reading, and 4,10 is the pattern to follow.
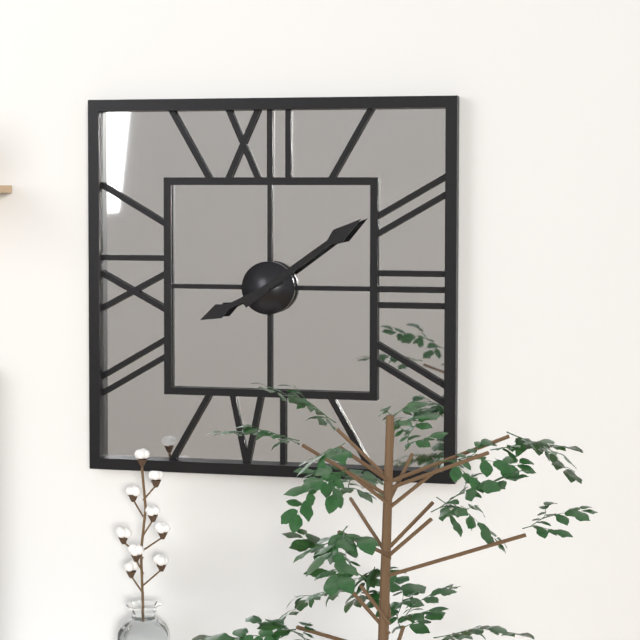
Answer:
8,09
